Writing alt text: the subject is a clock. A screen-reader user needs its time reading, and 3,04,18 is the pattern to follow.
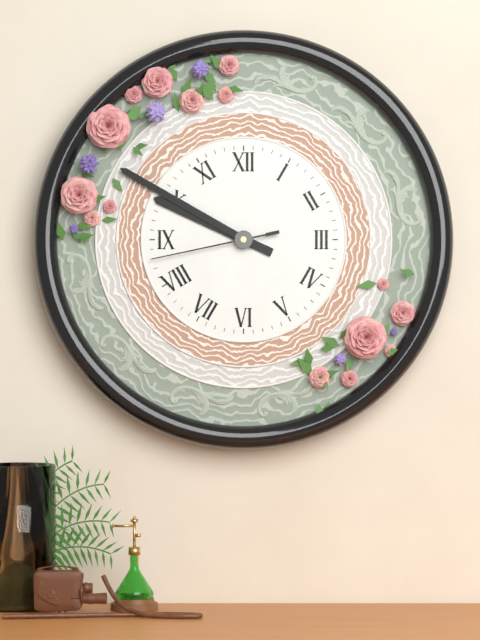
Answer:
9,50,43
